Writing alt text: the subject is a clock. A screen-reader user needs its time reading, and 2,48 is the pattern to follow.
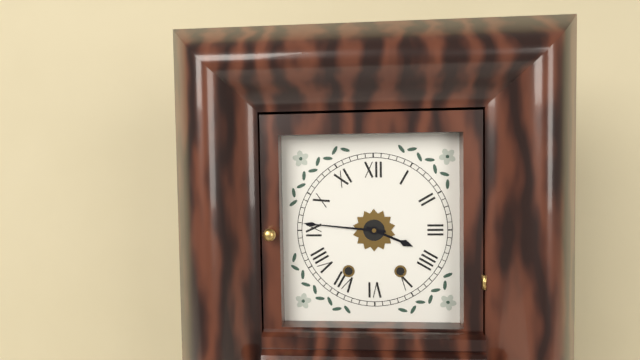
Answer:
3,46
